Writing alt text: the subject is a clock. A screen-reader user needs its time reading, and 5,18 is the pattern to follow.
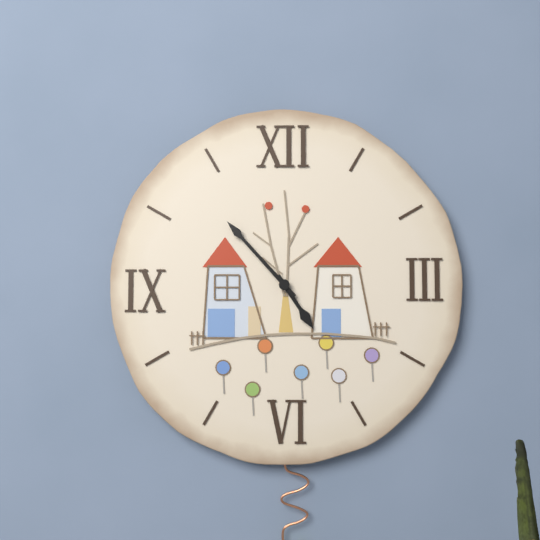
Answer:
4,53
